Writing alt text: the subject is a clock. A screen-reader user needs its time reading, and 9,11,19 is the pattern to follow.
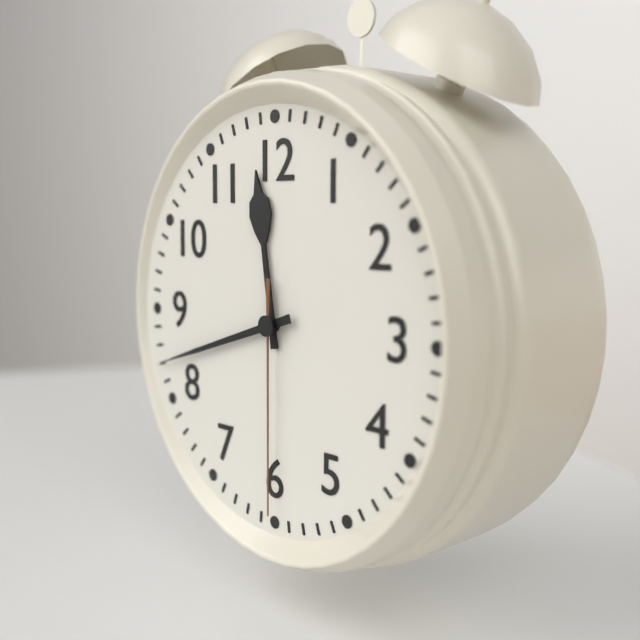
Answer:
11,42,30
